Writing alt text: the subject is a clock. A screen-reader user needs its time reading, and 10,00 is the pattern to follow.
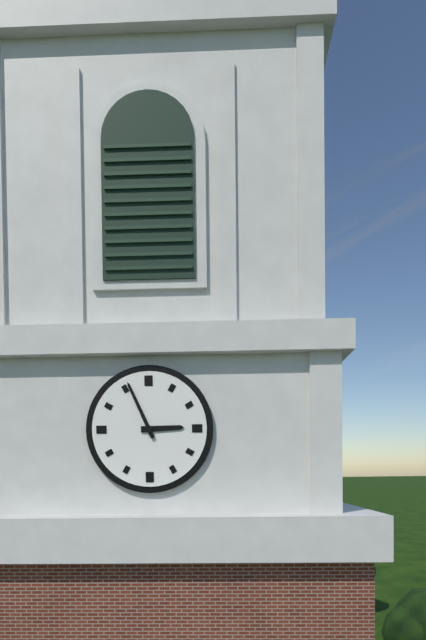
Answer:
2,56
